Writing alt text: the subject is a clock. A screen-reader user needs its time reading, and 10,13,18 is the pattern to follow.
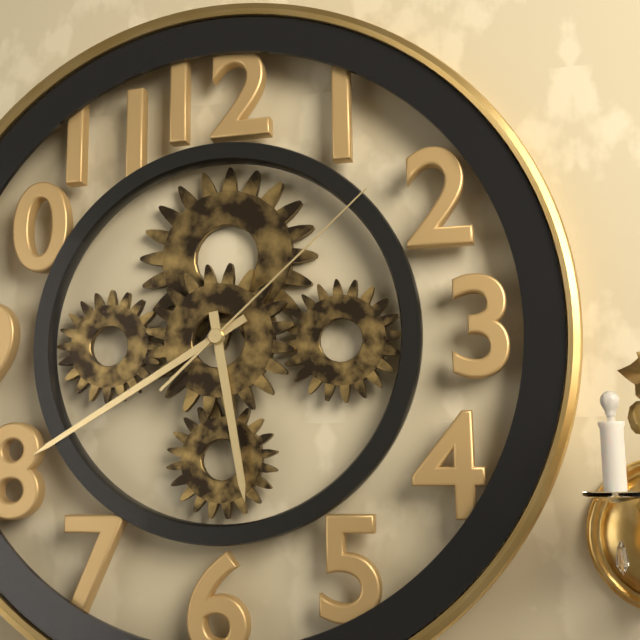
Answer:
5,40,08
